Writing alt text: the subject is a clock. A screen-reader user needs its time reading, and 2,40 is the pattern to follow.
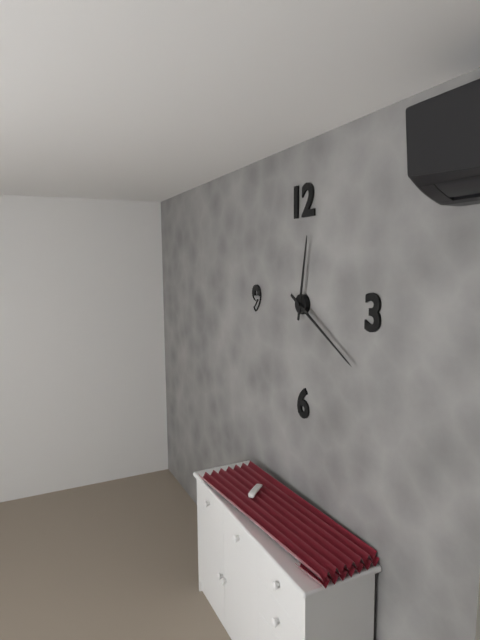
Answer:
12,20
